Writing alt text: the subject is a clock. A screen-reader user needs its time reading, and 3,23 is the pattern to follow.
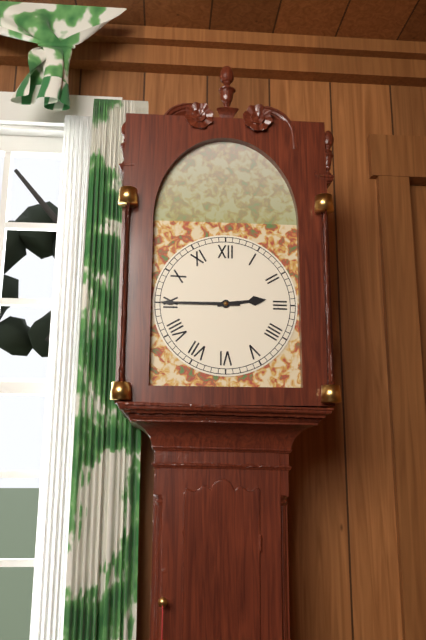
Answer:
2,45
